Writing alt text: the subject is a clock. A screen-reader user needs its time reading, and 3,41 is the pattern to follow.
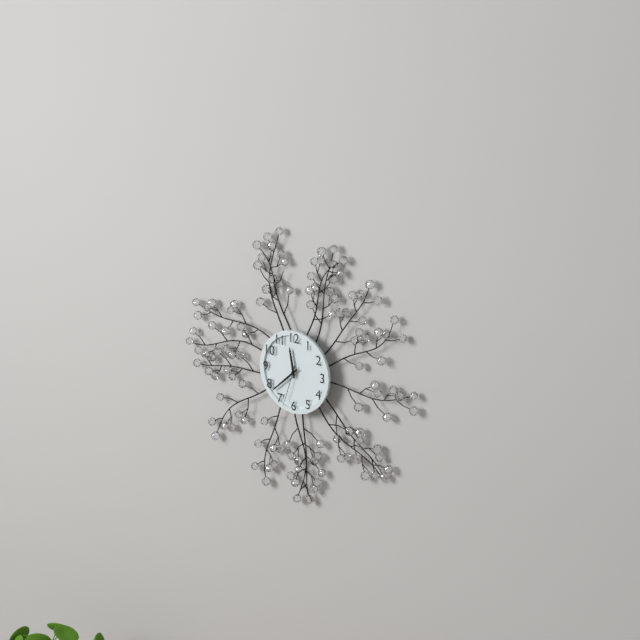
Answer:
11,38
